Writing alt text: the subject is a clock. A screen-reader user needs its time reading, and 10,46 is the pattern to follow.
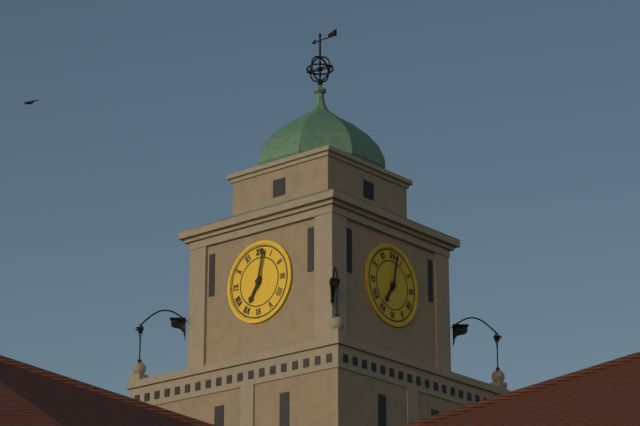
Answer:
7,02
